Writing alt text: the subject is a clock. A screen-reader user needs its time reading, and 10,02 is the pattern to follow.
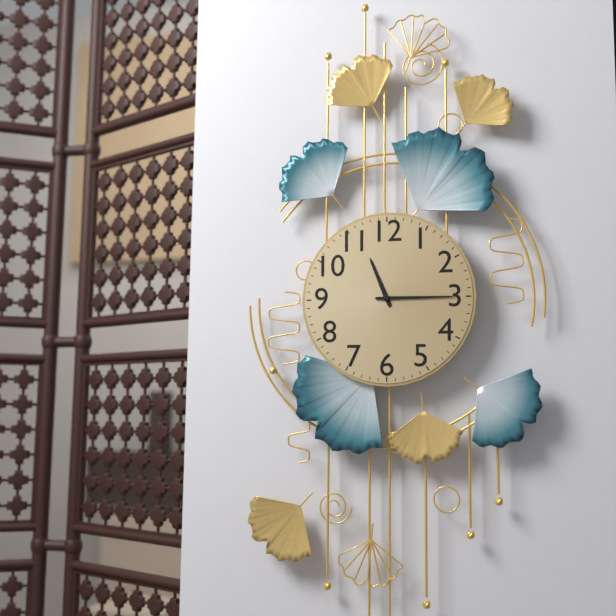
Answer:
11,15
